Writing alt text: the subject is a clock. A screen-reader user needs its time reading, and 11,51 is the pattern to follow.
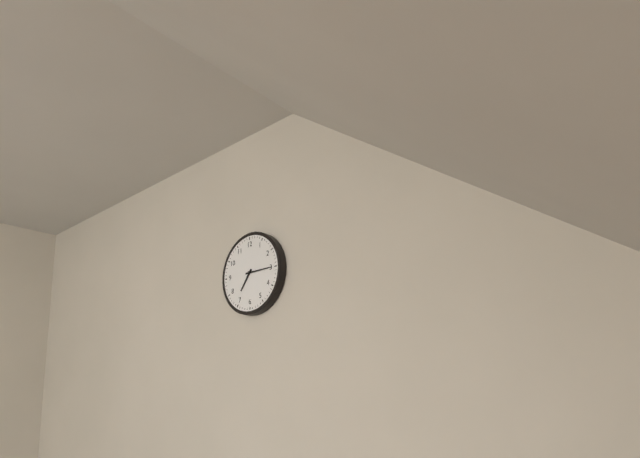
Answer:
7,15
